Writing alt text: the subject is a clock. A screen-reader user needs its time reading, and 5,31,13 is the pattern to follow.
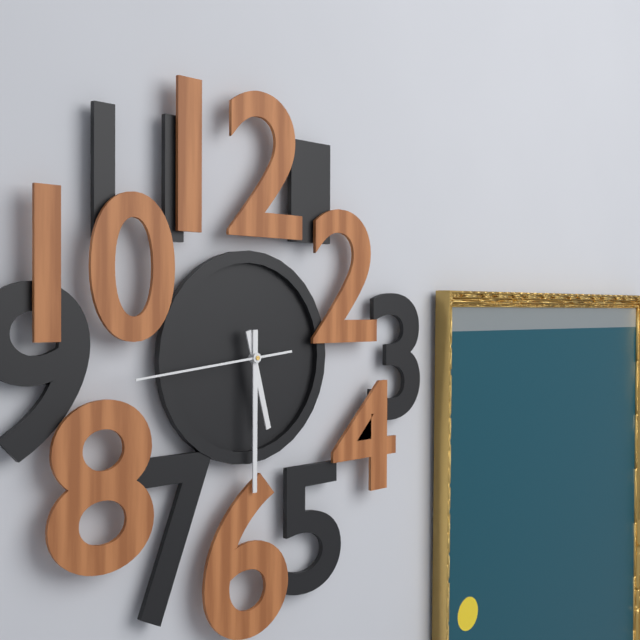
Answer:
5,30,44
